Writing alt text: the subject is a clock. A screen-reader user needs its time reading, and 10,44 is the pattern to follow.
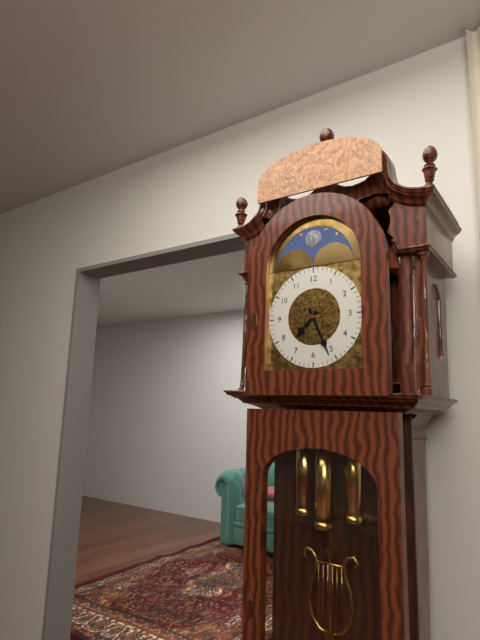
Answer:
7,26
